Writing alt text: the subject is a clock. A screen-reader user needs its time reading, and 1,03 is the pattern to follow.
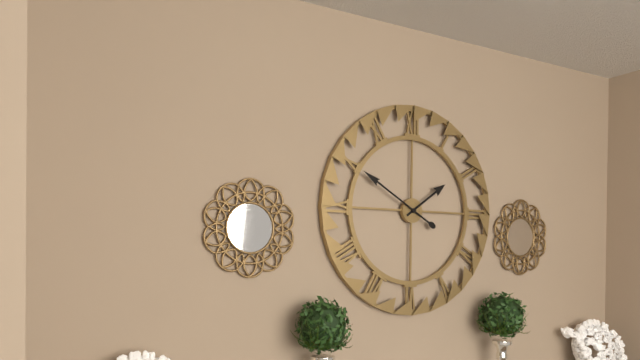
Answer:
1,50
